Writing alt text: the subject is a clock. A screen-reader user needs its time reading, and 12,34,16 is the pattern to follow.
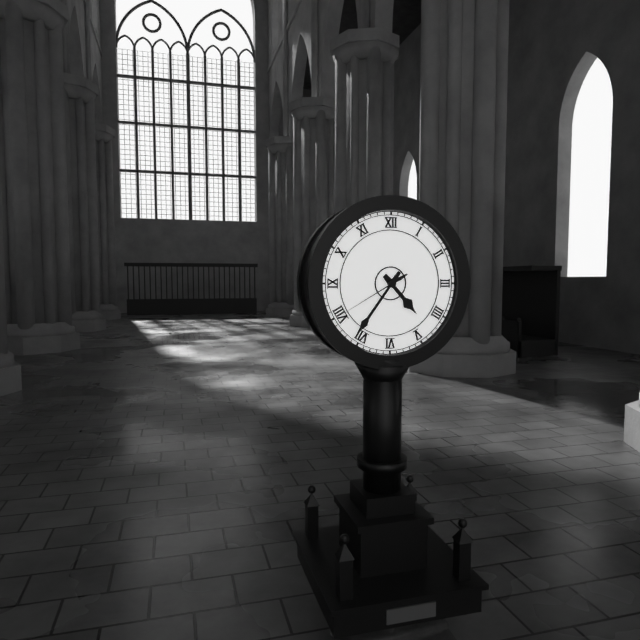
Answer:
4,36,40
